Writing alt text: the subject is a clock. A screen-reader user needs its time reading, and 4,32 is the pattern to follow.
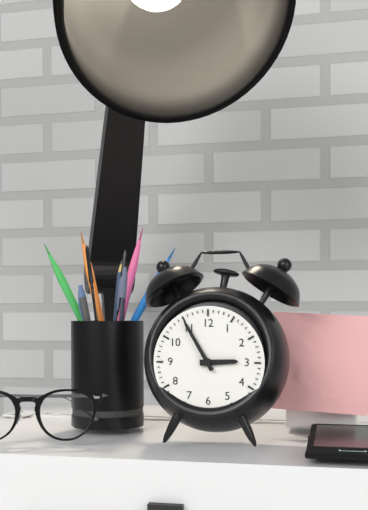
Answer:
2,55
